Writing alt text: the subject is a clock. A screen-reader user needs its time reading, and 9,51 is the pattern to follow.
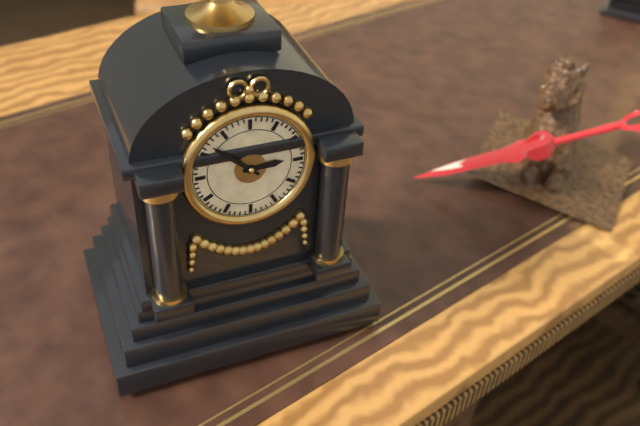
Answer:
2,52
